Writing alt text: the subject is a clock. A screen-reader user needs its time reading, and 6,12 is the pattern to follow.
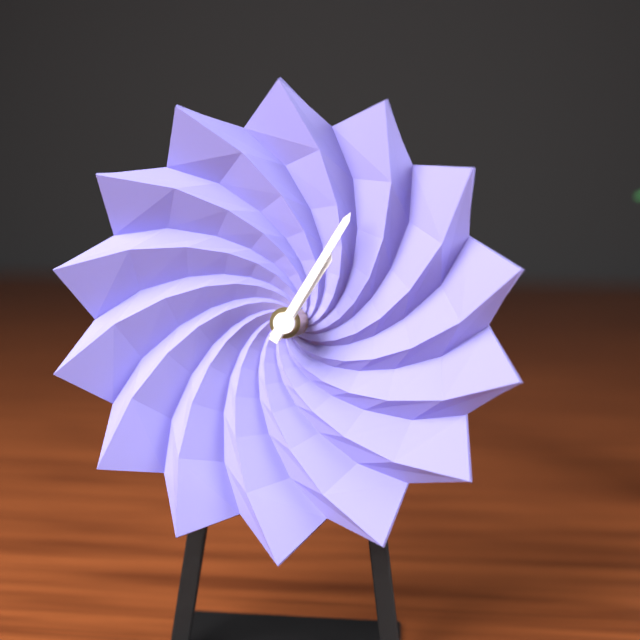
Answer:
1,05
